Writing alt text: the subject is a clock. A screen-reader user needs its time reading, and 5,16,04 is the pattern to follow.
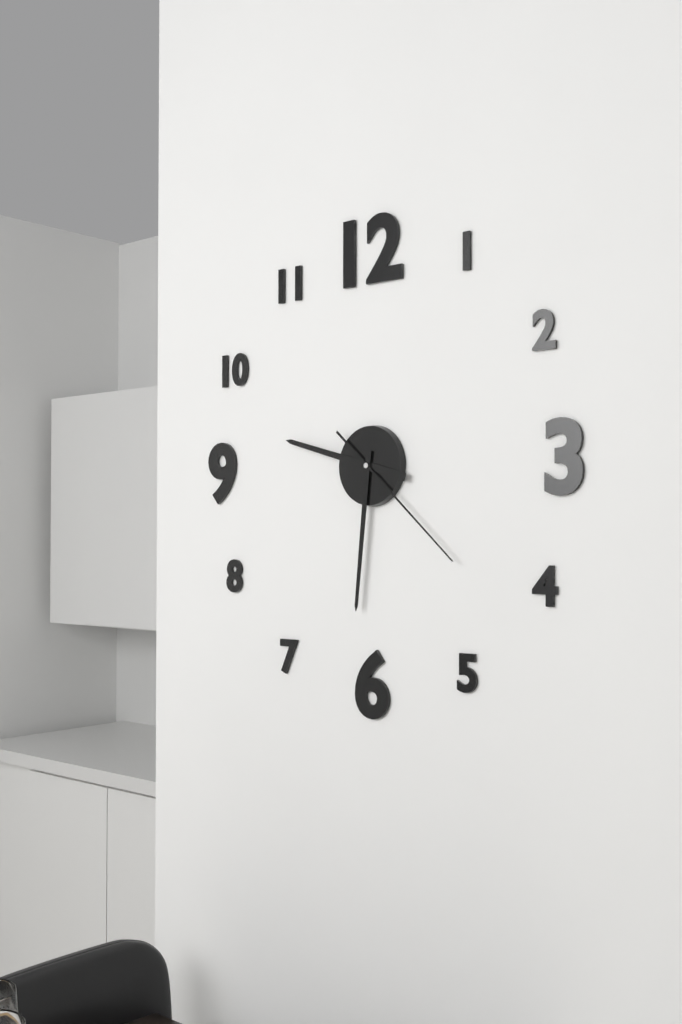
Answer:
9,31,22
